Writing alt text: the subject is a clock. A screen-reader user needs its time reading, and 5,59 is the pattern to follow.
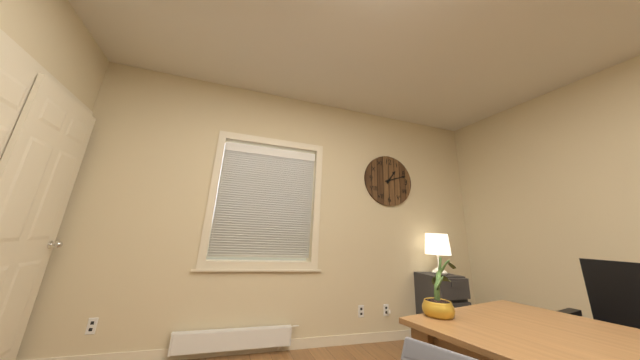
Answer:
1,12
